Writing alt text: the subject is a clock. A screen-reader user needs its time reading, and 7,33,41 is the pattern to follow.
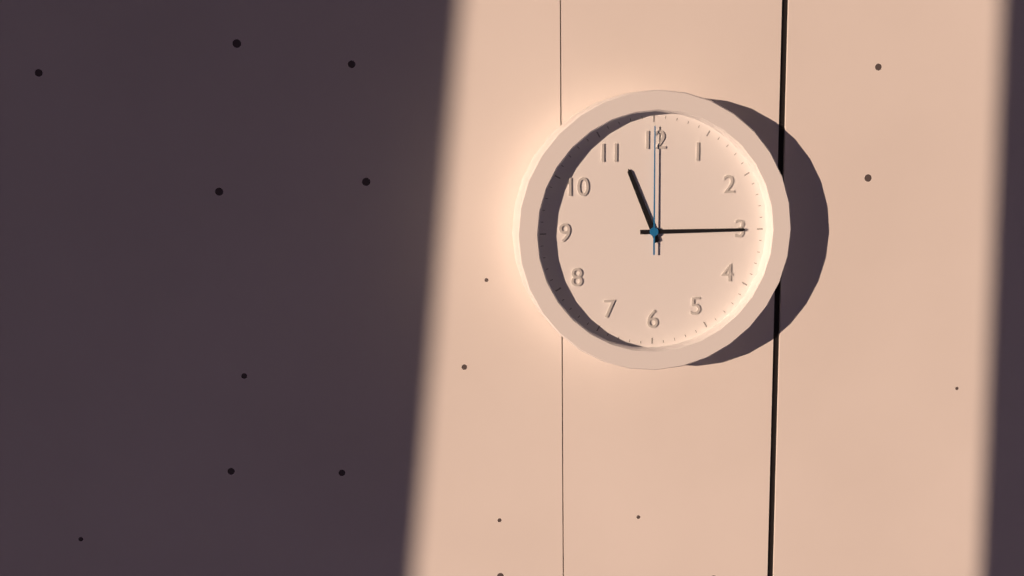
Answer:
11,15,00
